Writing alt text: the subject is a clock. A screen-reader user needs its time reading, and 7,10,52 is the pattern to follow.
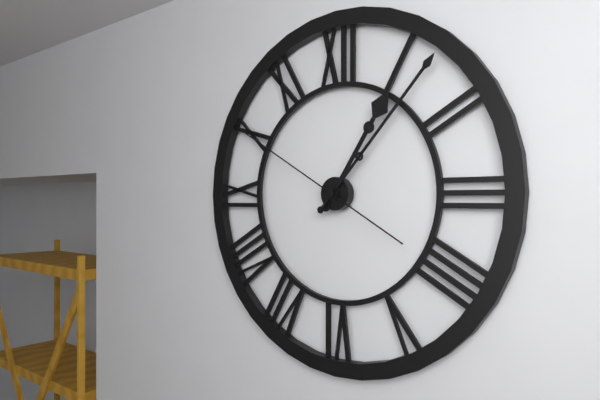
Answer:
1,07,50
